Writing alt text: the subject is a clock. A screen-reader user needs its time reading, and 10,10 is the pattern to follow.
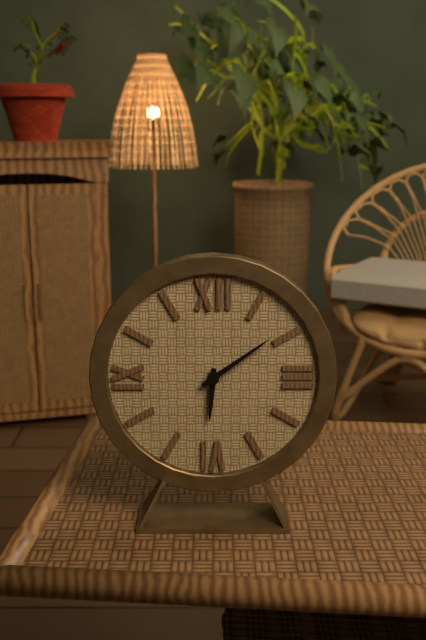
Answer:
6,09
